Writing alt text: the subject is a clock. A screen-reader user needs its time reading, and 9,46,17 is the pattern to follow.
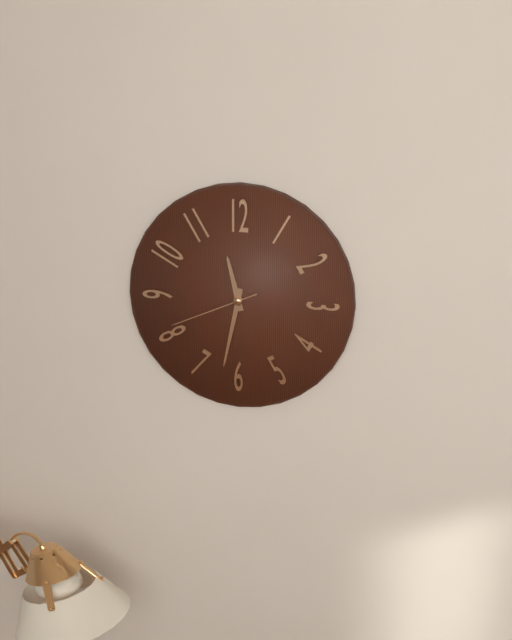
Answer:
11,32,41
